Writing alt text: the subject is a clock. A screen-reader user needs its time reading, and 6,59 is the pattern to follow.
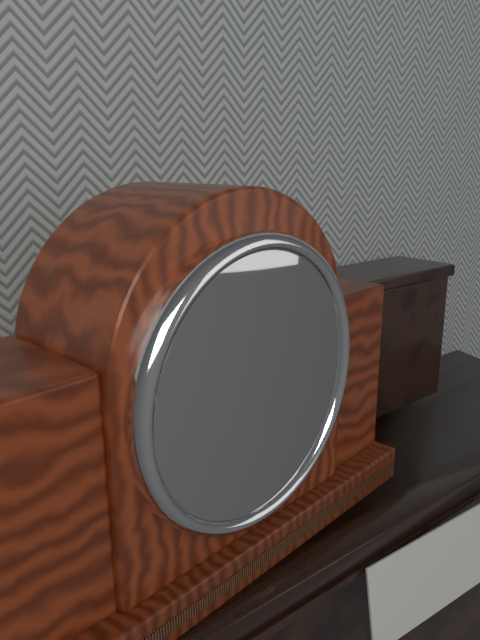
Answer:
5,16
